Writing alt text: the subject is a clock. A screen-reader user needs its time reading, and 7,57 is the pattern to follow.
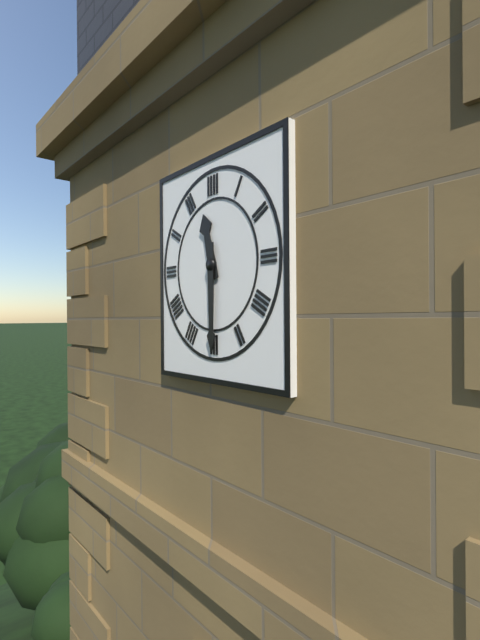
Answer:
11,30
